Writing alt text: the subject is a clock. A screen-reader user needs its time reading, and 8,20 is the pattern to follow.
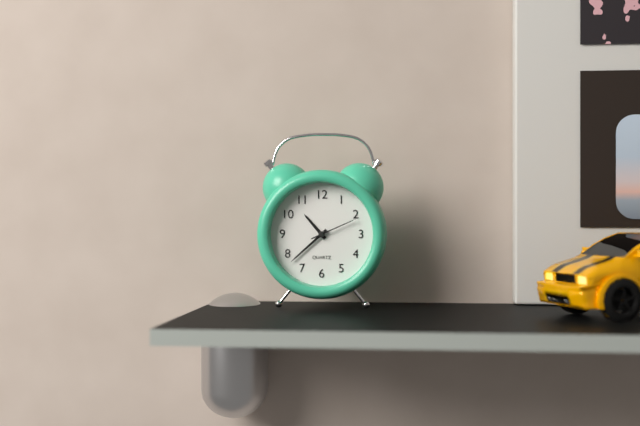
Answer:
10,38
